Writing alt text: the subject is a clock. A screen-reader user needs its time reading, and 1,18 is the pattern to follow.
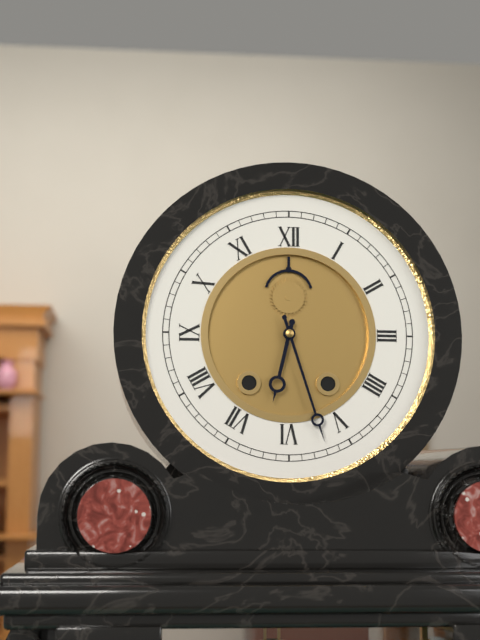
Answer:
6,27
